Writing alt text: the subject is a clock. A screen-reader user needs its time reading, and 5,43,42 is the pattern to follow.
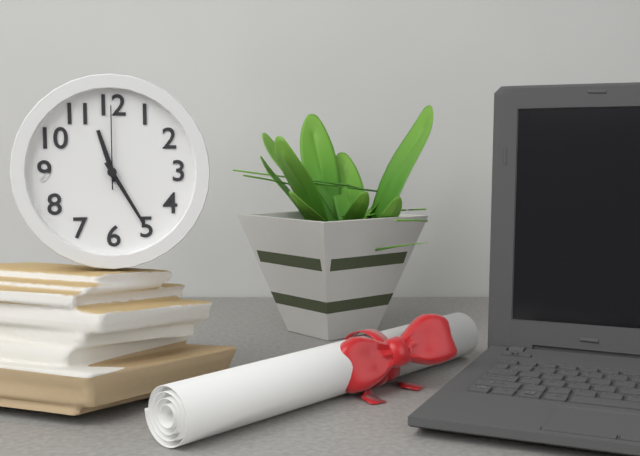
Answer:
11,25,00
